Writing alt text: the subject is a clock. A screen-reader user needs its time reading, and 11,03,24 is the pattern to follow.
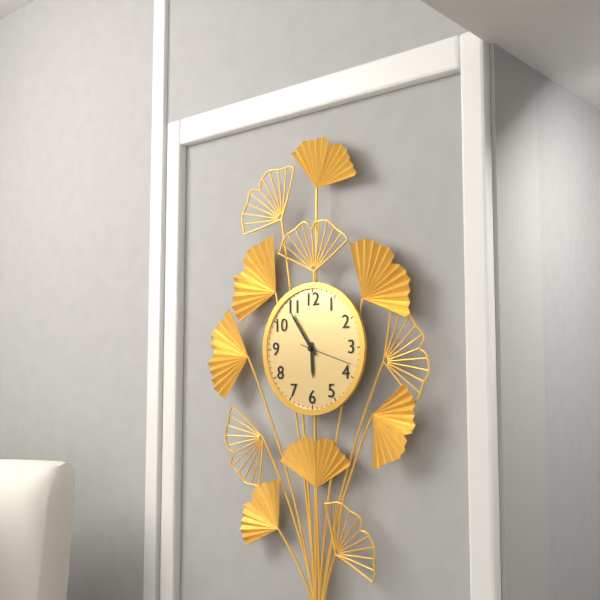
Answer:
5,54,18
